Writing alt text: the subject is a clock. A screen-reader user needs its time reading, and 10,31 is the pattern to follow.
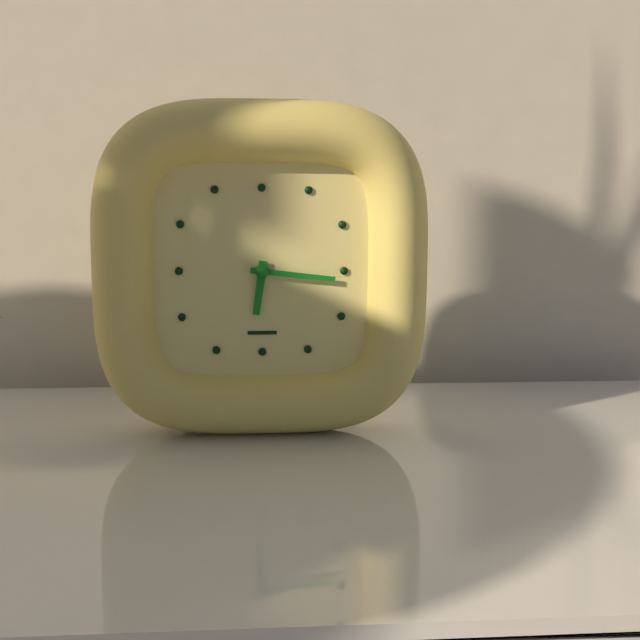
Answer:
6,16
